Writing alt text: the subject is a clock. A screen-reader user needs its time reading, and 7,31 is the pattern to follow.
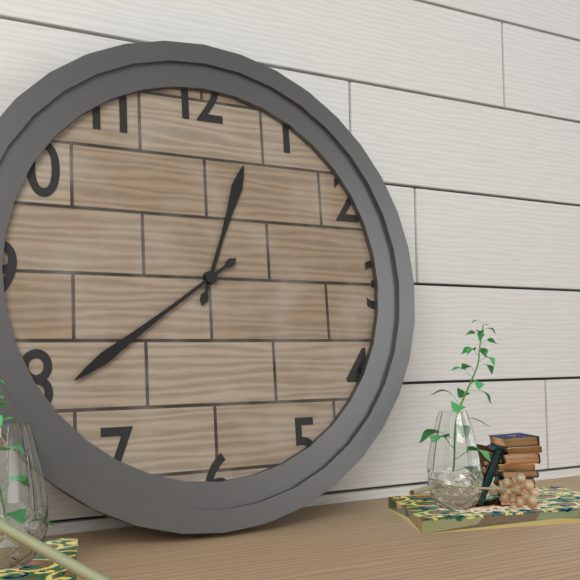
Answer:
12,39
